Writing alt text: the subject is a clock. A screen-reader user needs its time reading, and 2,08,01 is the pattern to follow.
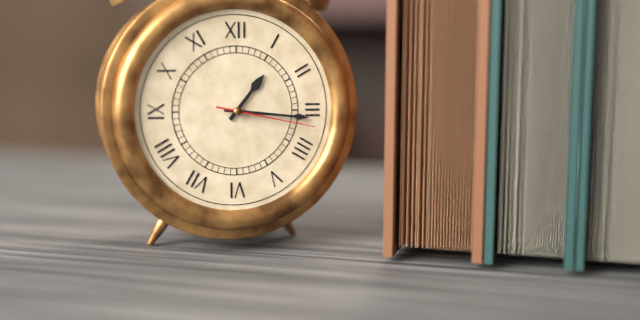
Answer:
1,16,17
